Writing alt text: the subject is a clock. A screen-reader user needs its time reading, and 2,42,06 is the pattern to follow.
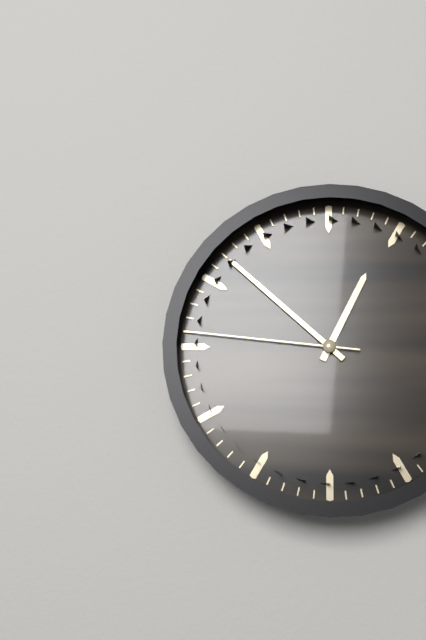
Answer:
12,52,46
